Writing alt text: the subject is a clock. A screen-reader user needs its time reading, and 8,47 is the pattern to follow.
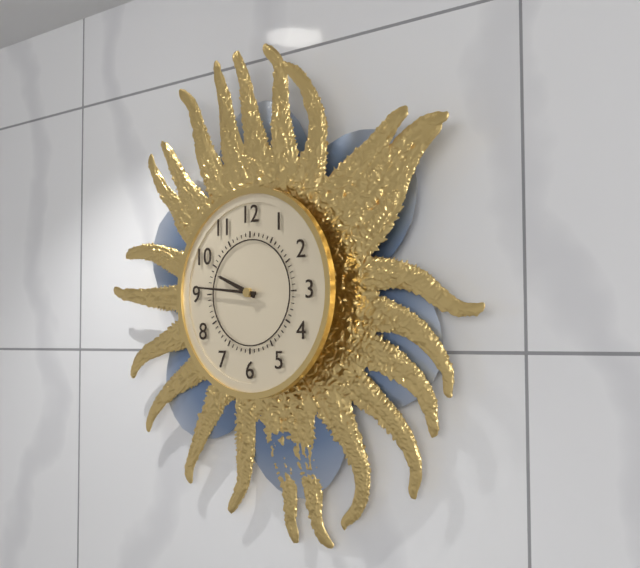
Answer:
9,46
